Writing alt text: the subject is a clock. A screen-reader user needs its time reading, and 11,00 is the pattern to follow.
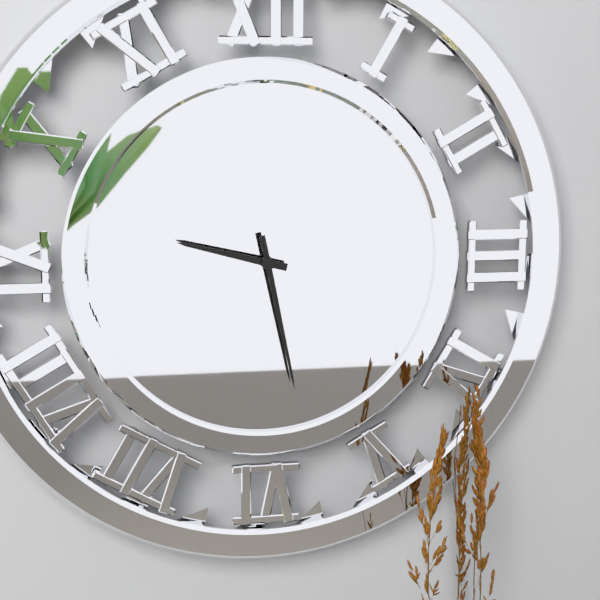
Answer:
9,28
